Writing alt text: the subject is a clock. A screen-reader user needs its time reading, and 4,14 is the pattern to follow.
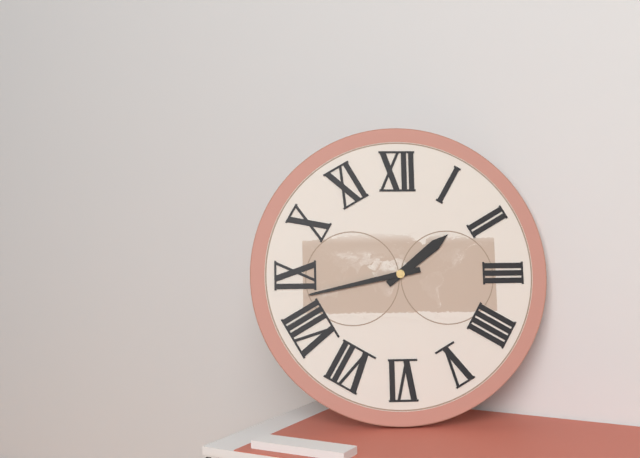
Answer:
1,43
